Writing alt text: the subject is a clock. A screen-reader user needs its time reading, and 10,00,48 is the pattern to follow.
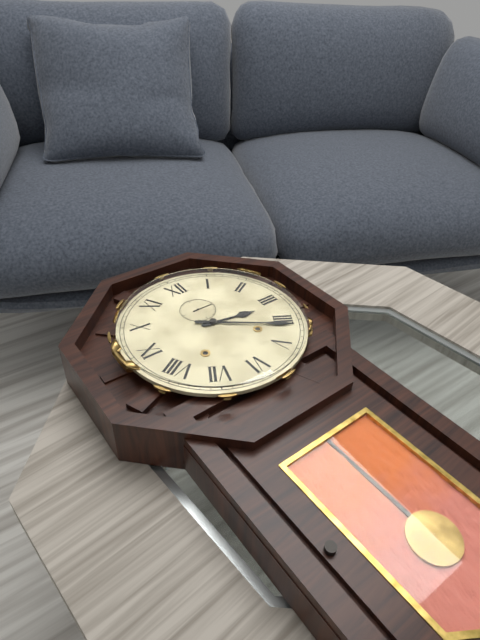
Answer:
3,21,15
